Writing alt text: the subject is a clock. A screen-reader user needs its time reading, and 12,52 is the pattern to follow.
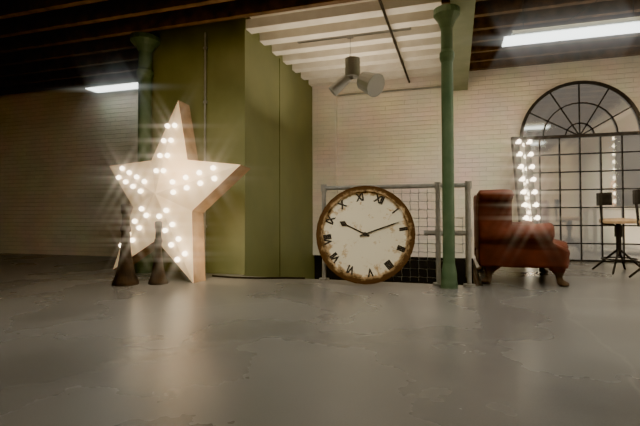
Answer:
9,08
